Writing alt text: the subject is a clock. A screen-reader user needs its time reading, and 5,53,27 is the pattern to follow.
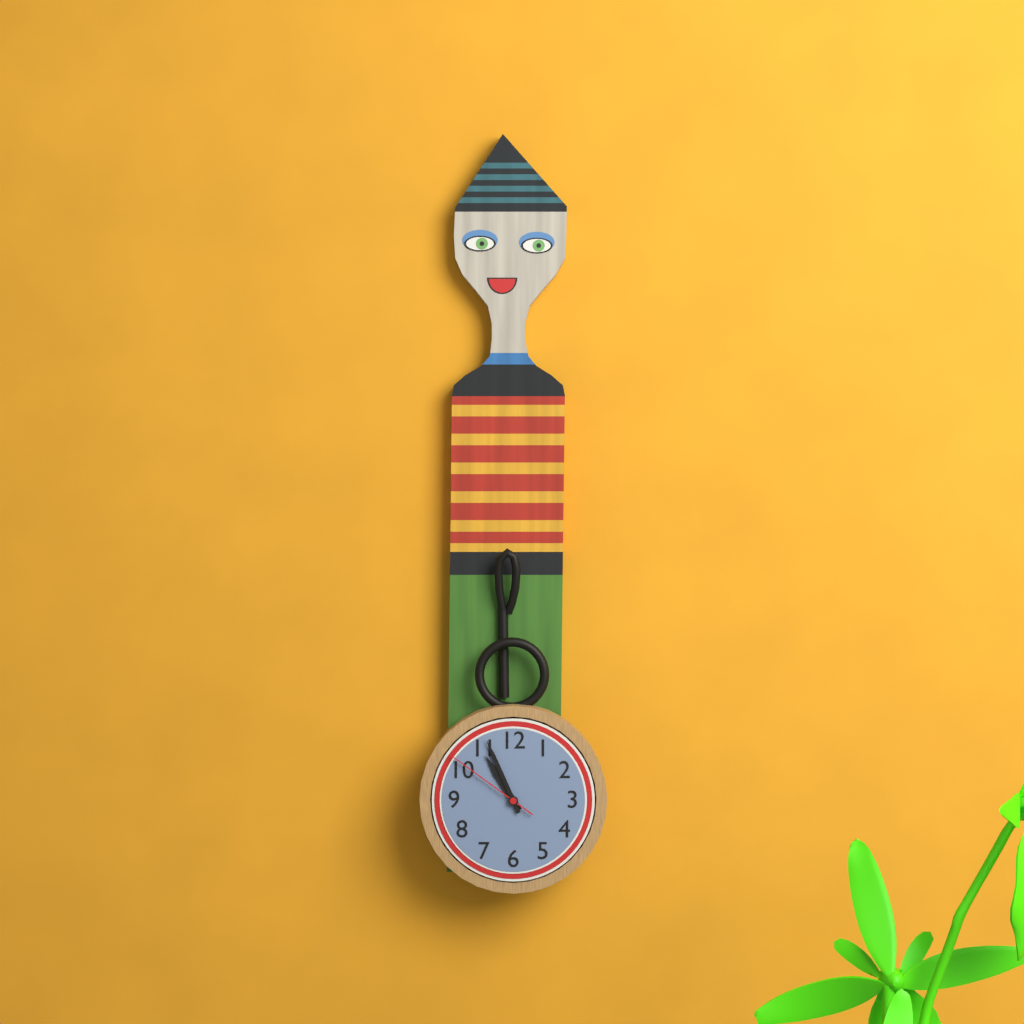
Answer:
10,56,51
